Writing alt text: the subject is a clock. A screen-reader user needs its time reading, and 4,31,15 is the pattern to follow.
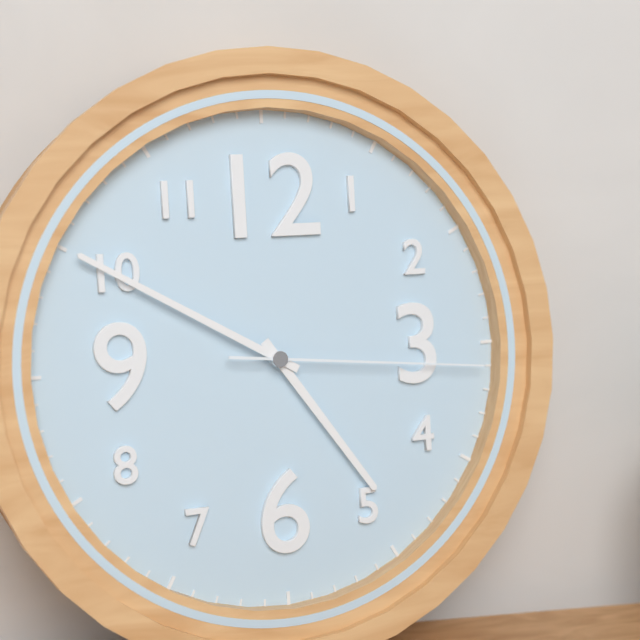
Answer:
4,50,16
